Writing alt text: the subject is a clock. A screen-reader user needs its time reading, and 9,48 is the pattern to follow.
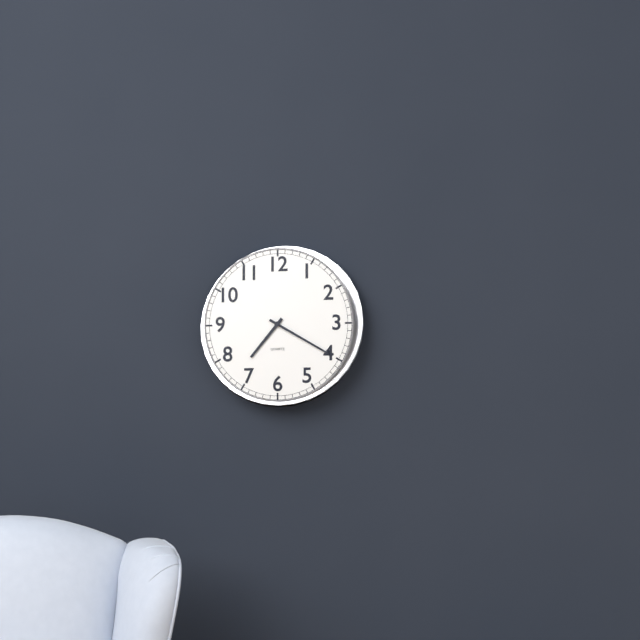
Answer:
7,20
